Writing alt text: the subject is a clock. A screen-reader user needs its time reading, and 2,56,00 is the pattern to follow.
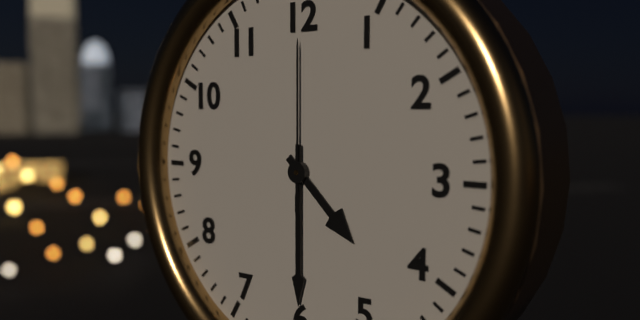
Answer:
4,30,00
